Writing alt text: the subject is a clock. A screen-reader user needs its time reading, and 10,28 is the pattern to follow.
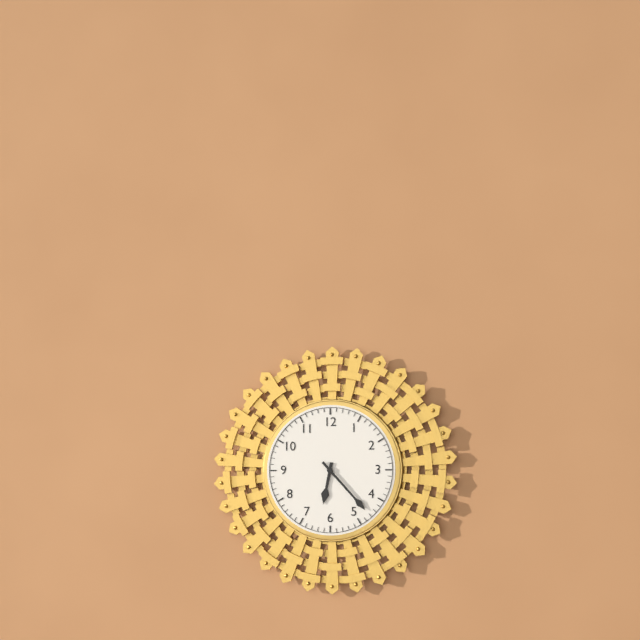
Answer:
6,23
